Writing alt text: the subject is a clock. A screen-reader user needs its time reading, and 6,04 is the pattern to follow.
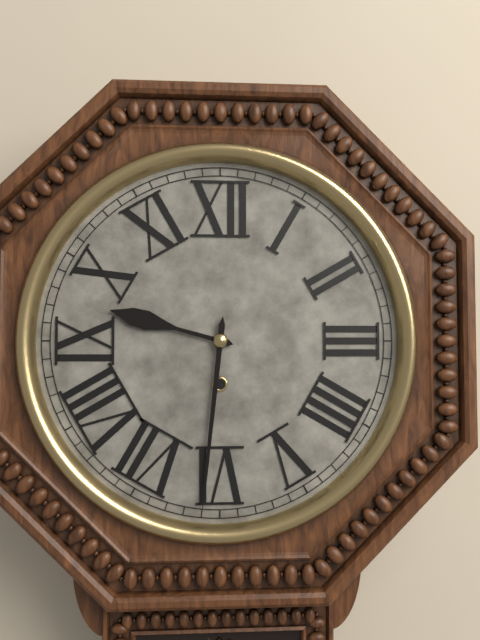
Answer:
9,31
